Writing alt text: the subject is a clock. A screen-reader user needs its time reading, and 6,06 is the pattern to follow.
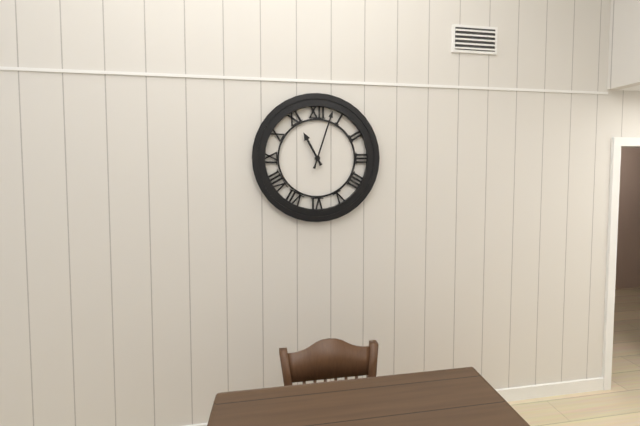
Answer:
11,03
